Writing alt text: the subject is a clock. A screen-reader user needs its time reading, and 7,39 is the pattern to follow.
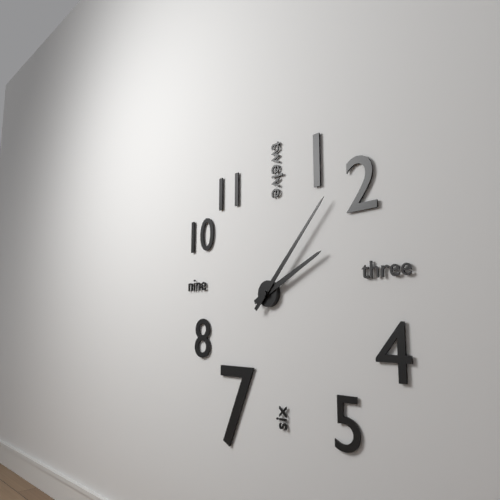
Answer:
2,07
